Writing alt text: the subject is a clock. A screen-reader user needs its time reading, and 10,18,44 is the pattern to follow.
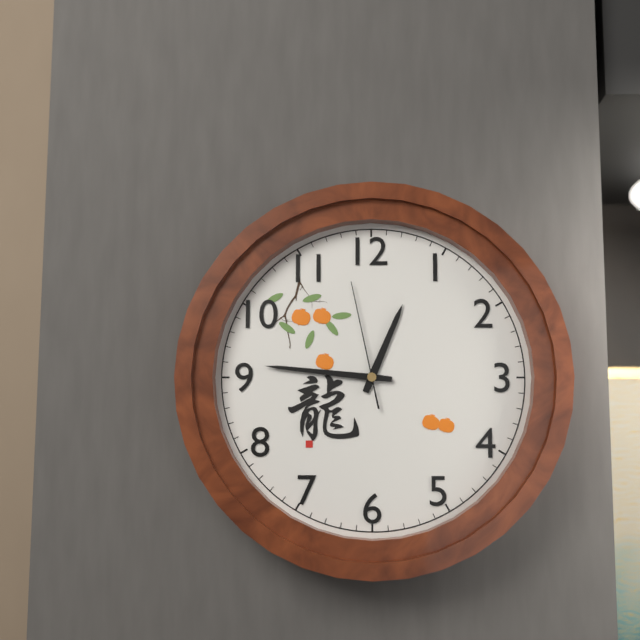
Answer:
12,46,58
